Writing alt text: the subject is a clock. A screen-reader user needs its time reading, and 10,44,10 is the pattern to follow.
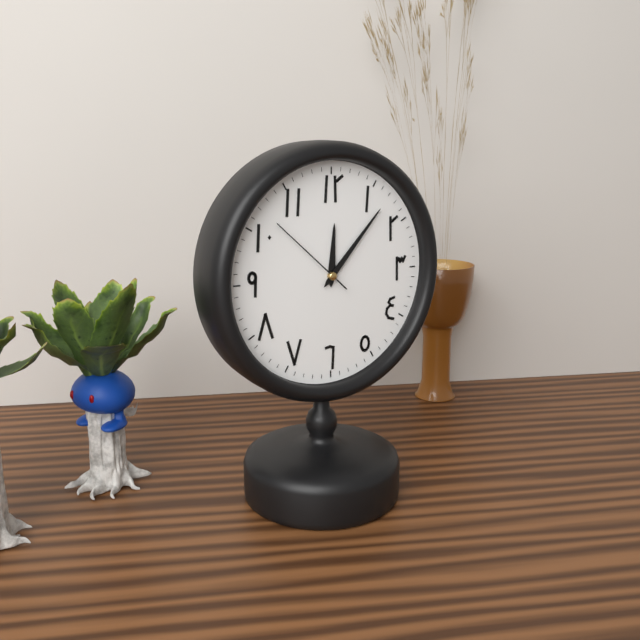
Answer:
12,07,52
